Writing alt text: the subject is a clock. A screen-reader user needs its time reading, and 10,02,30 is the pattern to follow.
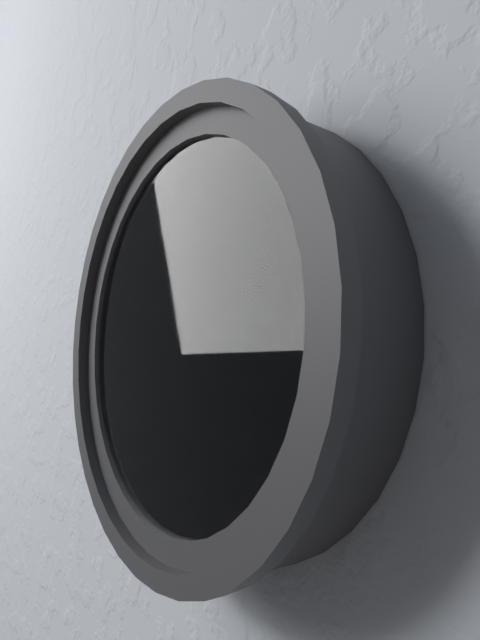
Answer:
3,30,39
